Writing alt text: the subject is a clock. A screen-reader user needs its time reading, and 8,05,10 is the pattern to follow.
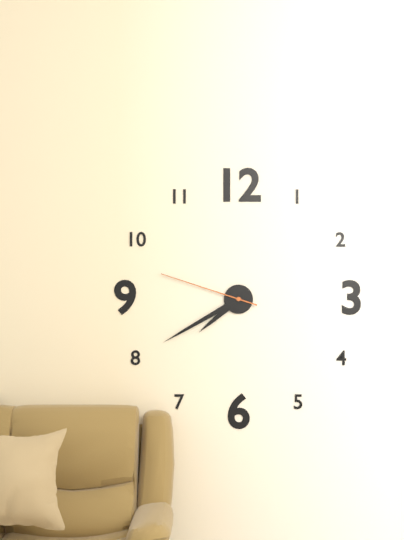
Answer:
7,40,48
